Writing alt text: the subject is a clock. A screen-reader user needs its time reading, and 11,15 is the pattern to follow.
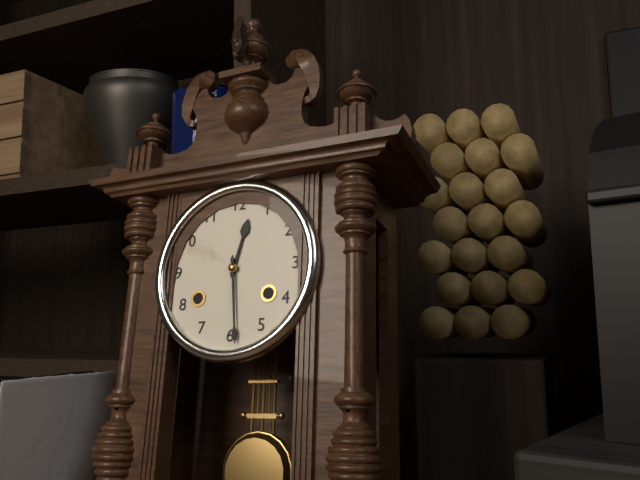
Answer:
12,29
